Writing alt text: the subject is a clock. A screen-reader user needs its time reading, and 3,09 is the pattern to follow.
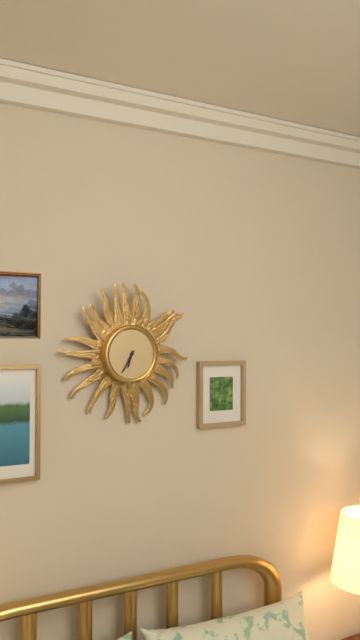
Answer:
6,35
